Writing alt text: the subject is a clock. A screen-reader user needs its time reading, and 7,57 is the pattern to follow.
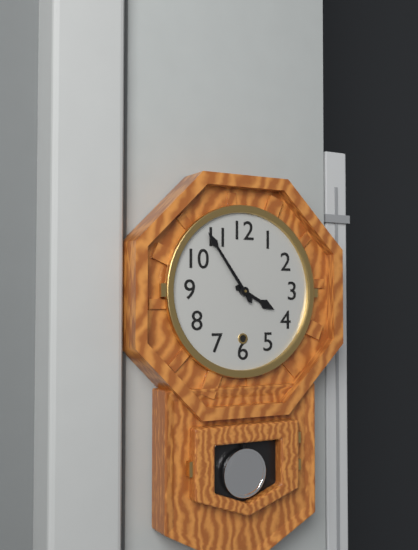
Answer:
3,54
